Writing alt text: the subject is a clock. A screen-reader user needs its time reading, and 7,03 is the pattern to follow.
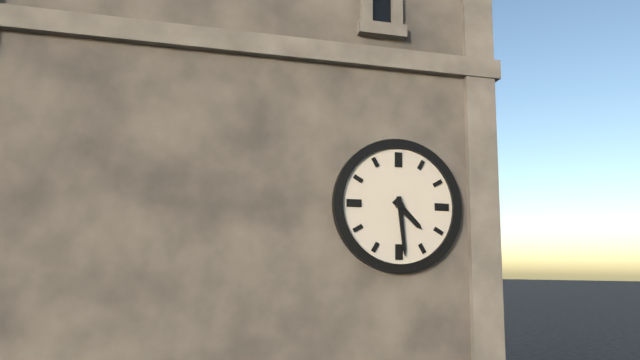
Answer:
4,29
